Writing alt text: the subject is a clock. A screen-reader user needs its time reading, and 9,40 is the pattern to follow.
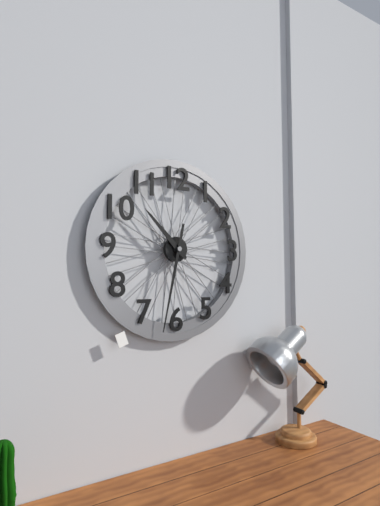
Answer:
10,32
